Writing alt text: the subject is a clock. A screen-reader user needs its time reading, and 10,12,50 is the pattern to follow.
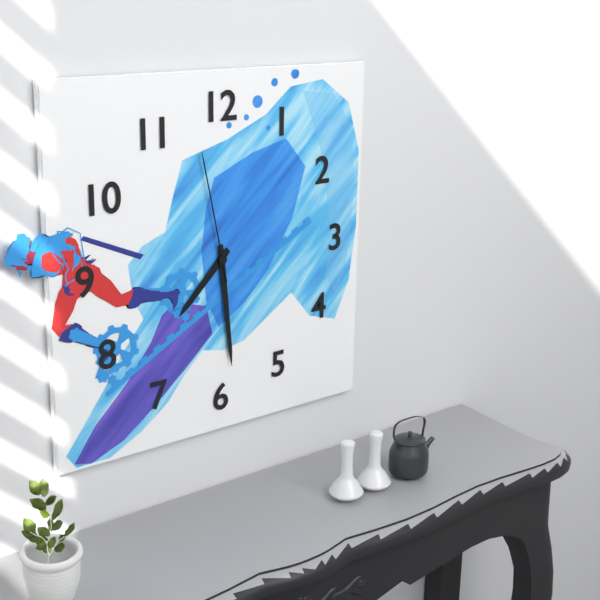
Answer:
7,29,58
